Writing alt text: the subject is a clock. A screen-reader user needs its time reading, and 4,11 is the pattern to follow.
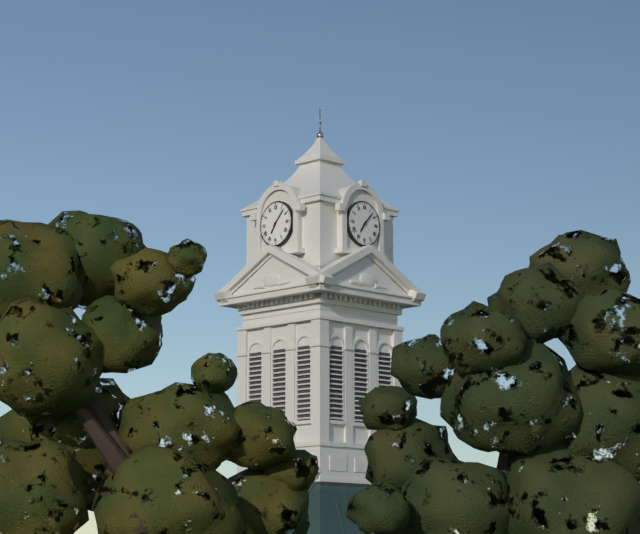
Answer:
7,07
